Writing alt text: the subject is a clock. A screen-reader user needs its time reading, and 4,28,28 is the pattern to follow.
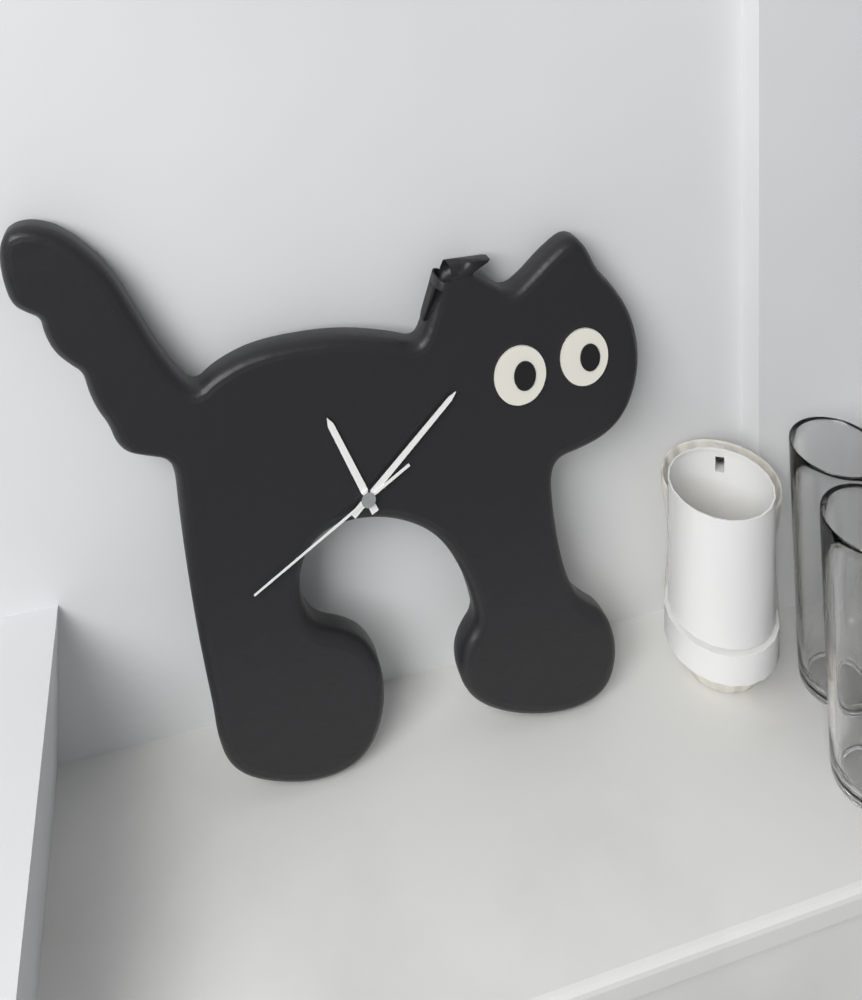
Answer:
11,08,40
